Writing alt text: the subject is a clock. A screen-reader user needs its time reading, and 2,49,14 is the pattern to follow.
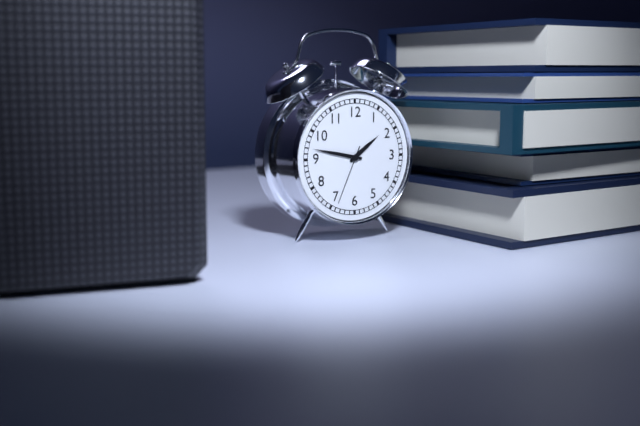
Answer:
1,47,34
